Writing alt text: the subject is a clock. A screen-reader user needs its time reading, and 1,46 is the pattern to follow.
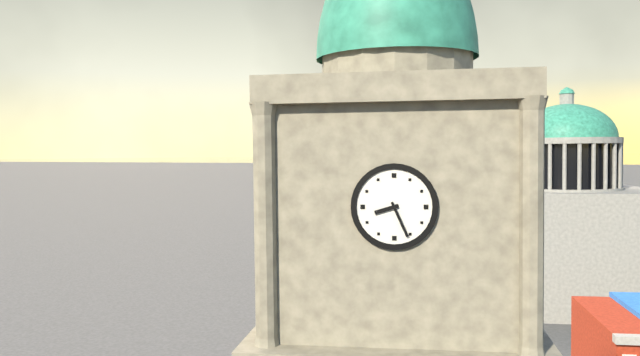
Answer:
8,26
